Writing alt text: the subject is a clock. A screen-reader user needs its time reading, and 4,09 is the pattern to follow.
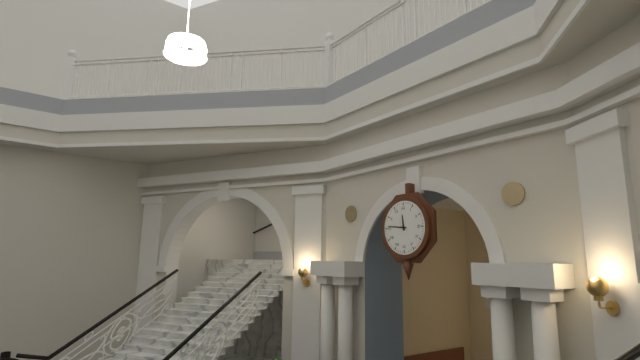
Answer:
11,46
